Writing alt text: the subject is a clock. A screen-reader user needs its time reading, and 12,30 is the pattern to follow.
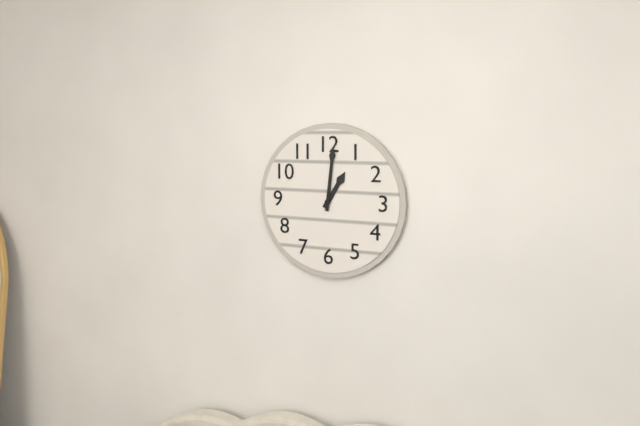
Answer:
1,01
